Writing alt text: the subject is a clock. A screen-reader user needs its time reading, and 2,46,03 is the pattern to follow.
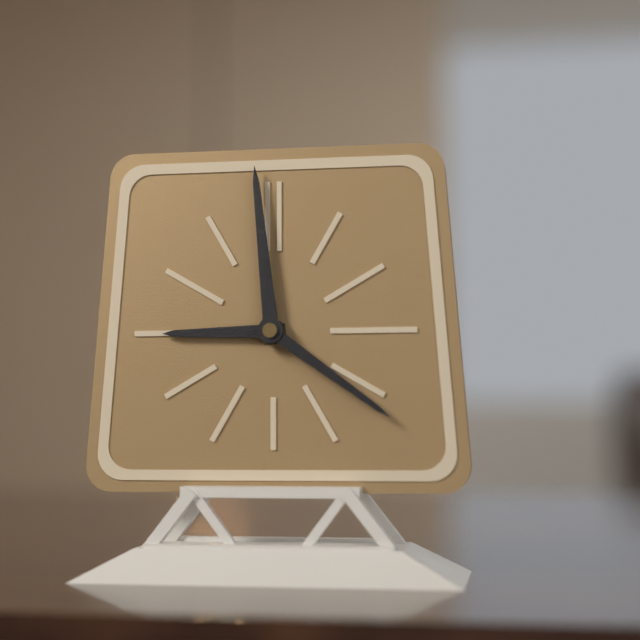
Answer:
8,59,21
